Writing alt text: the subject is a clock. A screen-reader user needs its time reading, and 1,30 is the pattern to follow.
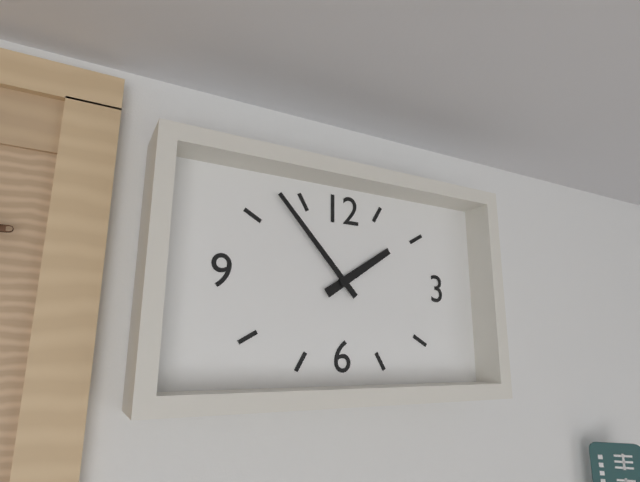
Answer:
1,53
